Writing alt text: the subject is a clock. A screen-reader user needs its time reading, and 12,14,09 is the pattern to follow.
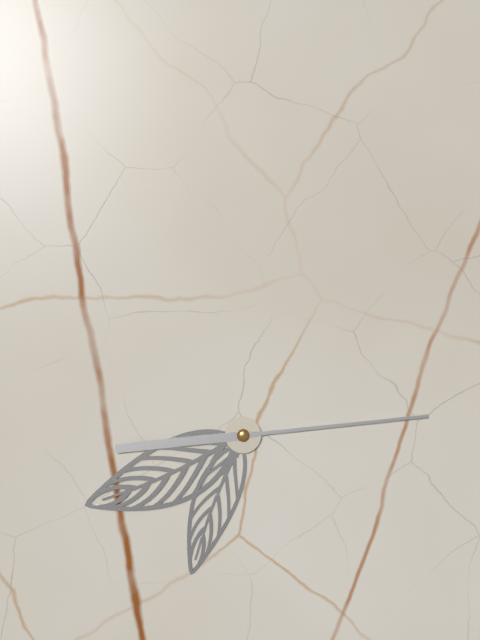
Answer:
6,41,14
